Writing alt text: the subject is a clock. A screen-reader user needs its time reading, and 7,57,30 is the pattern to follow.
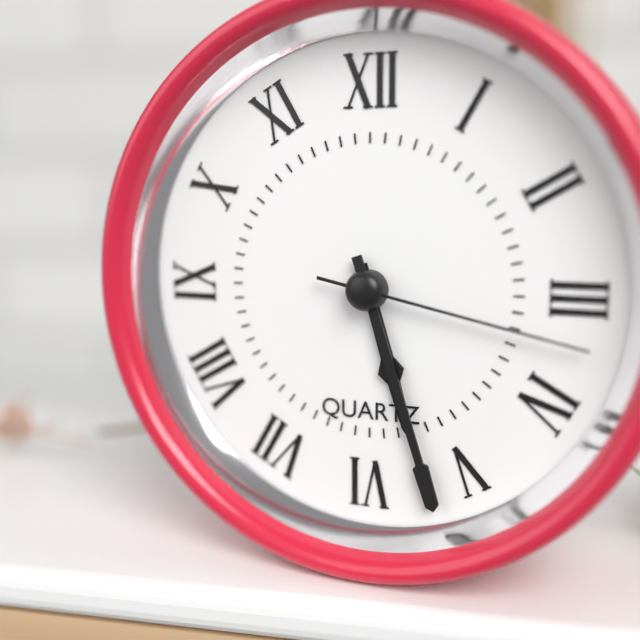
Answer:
5,27,17
